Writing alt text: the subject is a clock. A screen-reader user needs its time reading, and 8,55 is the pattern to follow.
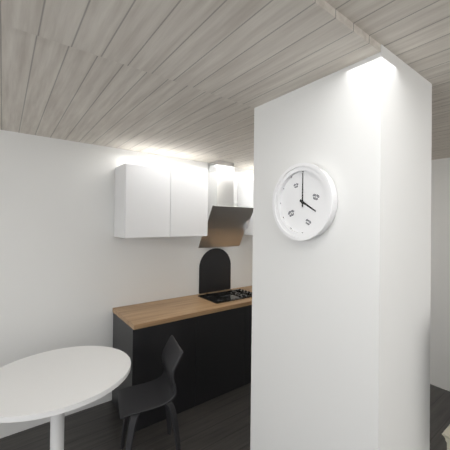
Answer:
4,00
